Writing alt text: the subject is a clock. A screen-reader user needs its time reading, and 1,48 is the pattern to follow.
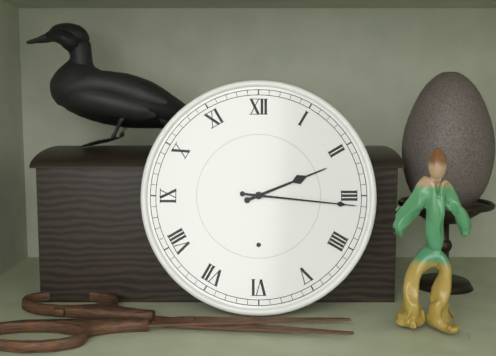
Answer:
2,16
